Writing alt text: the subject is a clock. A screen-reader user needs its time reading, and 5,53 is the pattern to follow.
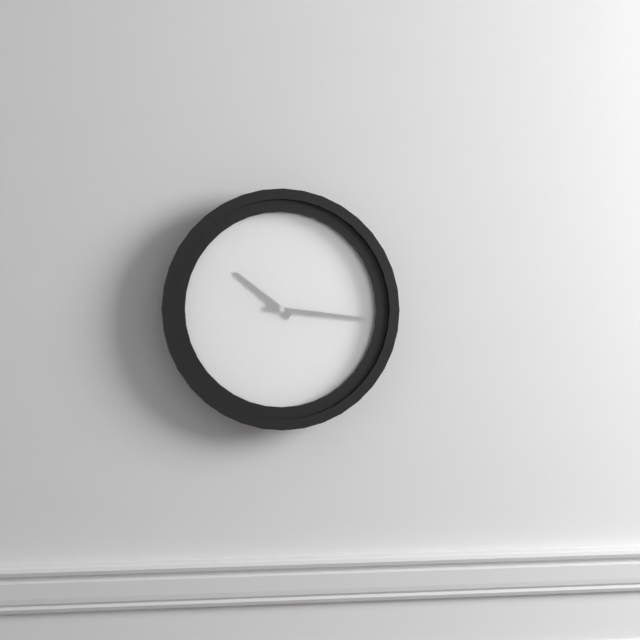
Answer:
10,16
